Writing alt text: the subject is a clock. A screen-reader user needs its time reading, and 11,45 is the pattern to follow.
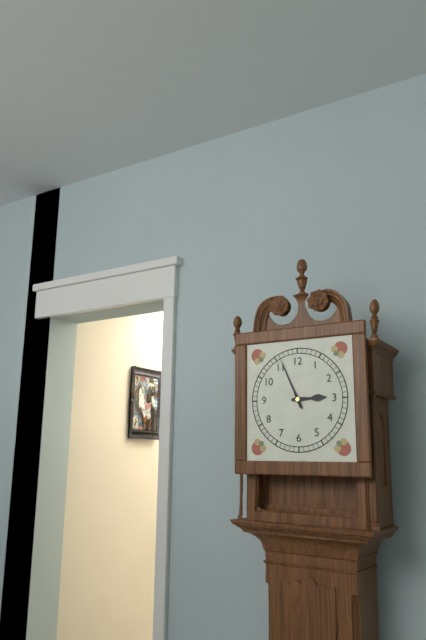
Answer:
2,56
